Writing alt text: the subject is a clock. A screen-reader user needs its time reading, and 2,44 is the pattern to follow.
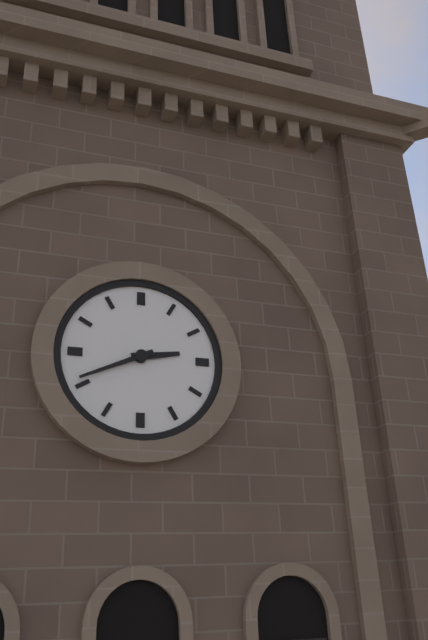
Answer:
2,41
